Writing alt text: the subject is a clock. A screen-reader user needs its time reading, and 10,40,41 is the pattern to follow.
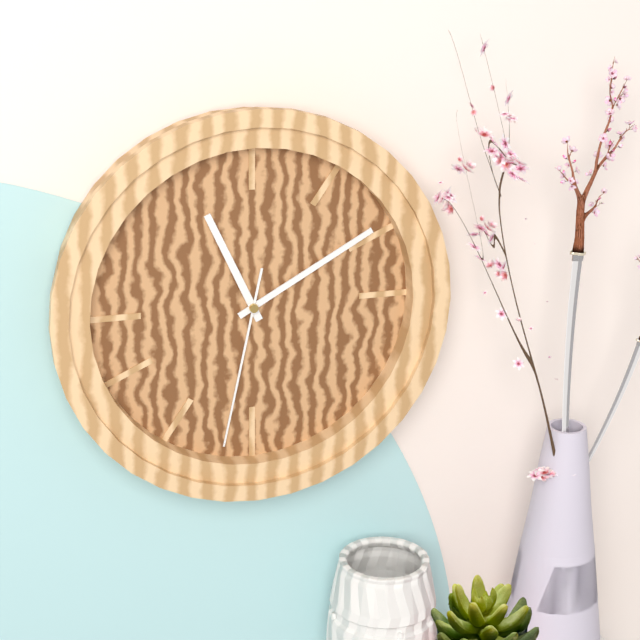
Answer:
11,10,32
